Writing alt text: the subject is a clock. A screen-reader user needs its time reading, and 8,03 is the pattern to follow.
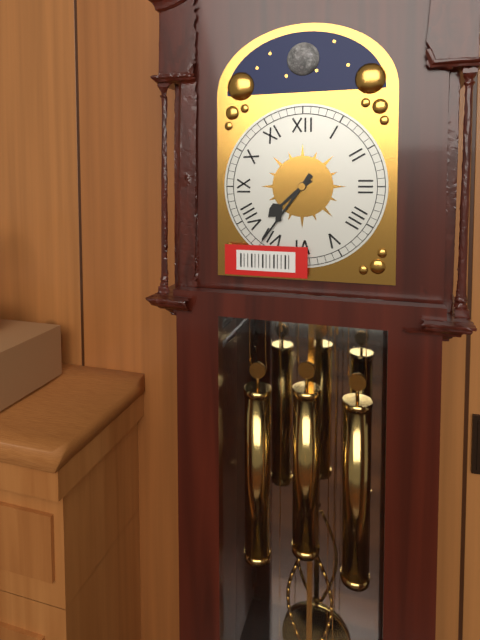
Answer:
7,36
